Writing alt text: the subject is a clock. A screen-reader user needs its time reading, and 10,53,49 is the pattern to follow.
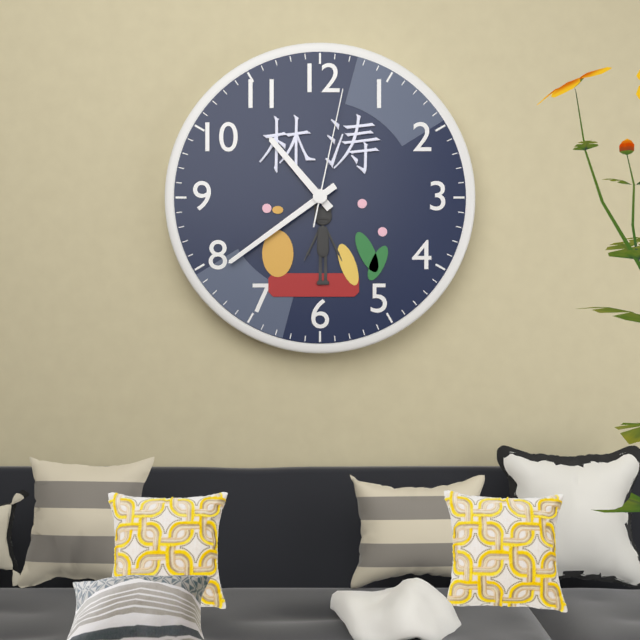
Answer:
10,39,02
